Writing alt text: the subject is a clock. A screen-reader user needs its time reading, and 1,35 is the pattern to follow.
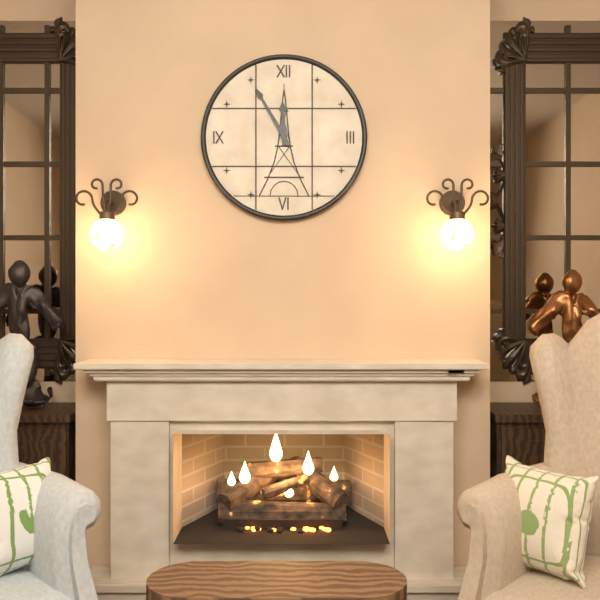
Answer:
11,55
